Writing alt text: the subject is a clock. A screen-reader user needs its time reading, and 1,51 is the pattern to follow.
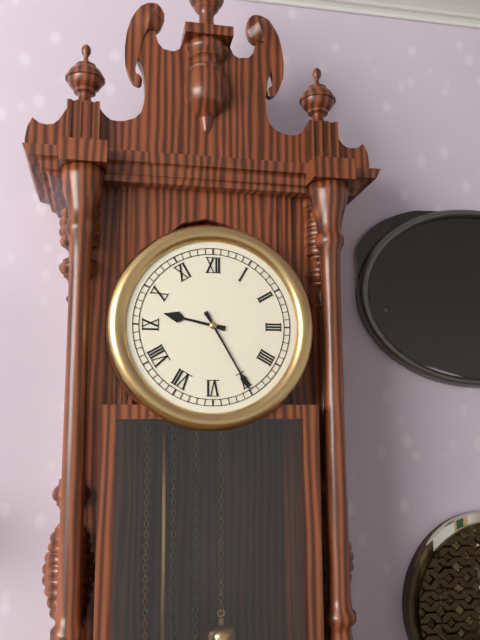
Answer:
9,25
